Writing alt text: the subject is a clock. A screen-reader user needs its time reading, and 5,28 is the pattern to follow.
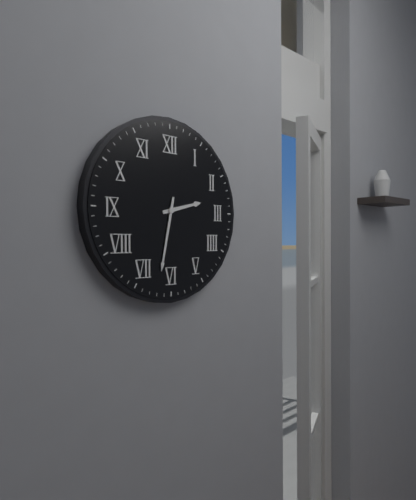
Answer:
2,32
